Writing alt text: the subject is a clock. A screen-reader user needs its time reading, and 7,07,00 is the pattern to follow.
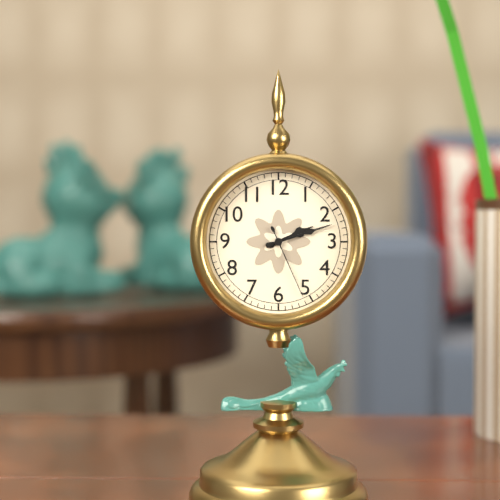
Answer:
2,12,26
